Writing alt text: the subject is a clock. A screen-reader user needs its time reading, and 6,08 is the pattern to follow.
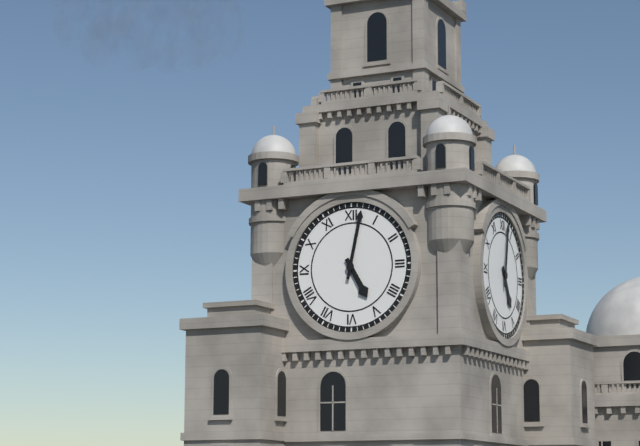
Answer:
5,02
